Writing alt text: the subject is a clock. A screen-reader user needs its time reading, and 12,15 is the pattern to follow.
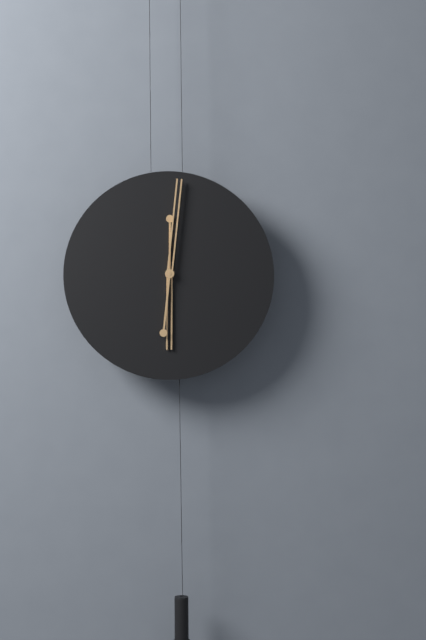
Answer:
6,01
